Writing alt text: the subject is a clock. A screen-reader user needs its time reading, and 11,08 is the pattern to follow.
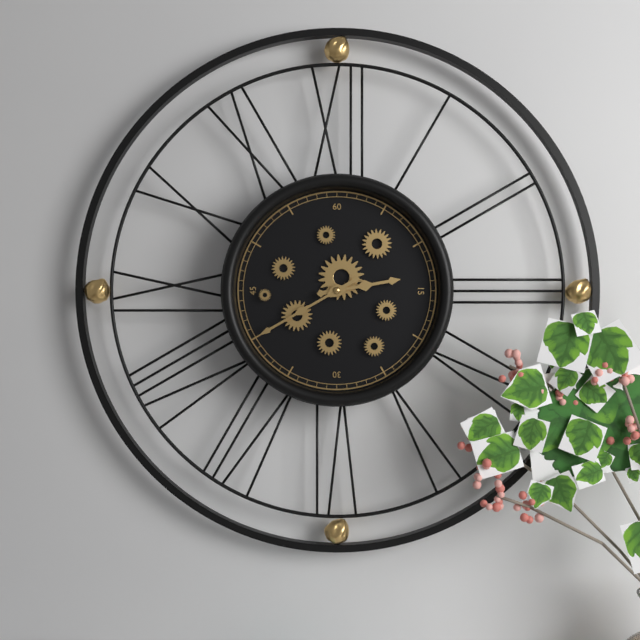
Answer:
2,40
